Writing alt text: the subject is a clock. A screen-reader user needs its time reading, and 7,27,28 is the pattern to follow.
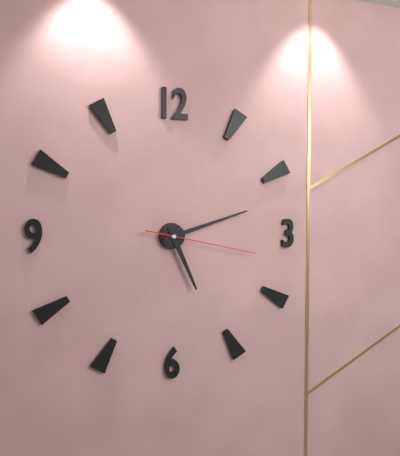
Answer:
5,12,17
